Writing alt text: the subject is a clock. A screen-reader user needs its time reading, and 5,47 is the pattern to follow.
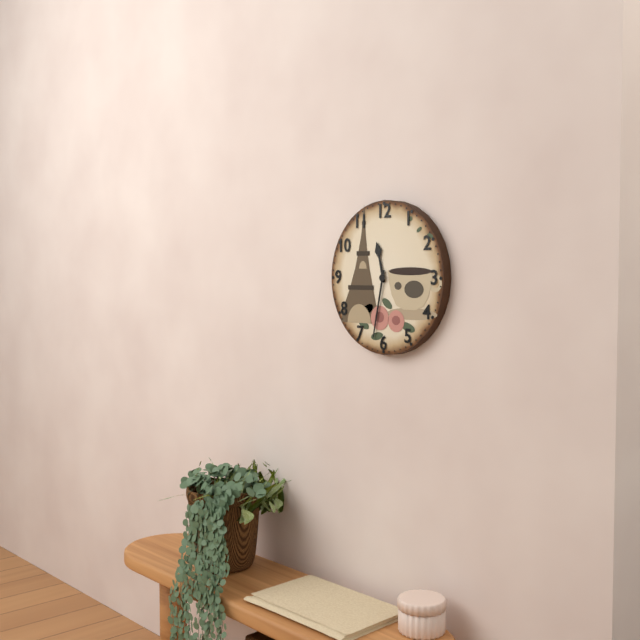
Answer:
11,32
